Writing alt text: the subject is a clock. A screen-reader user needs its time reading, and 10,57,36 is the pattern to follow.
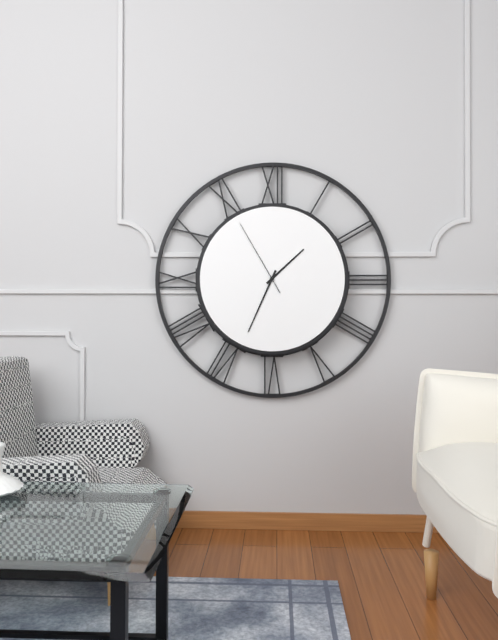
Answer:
1,34,55
